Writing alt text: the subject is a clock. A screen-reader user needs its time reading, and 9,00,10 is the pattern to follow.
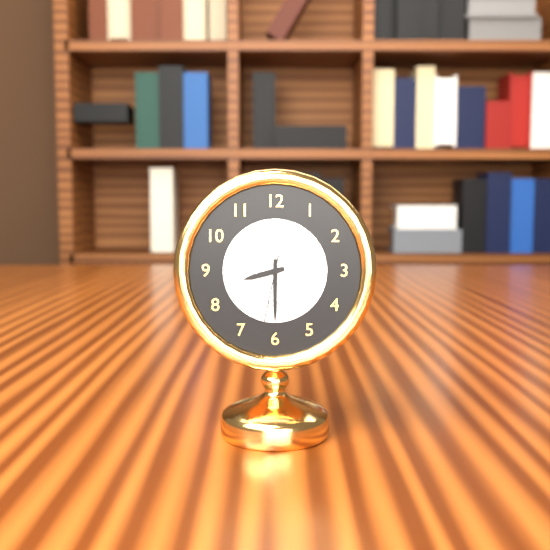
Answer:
8,30,32
